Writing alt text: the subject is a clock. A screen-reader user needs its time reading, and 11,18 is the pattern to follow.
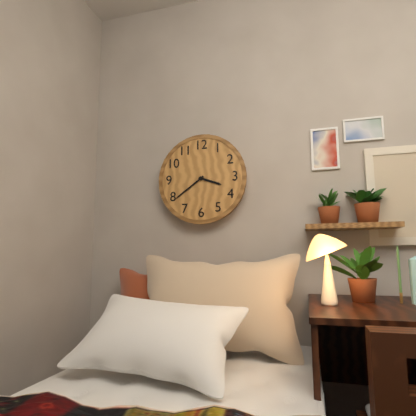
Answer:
3,39
